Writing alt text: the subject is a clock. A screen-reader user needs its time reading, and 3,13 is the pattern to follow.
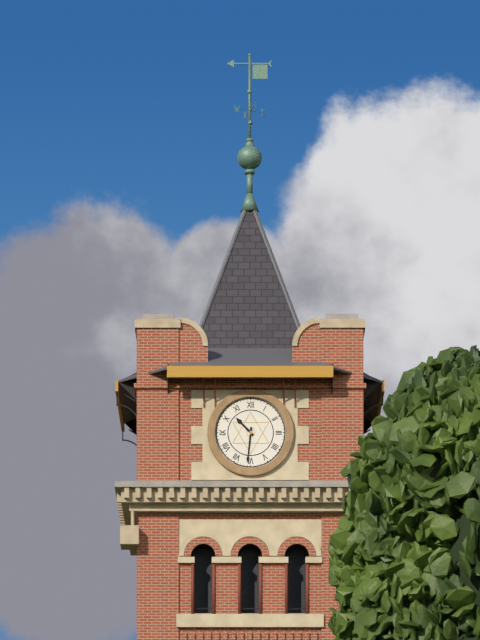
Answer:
10,31
